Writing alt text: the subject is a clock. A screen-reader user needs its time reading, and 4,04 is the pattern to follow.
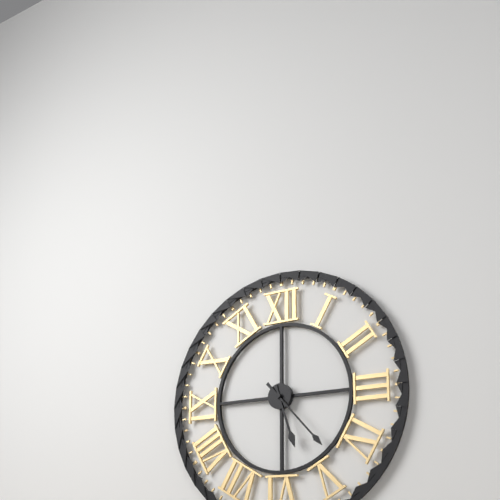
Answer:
5,23
